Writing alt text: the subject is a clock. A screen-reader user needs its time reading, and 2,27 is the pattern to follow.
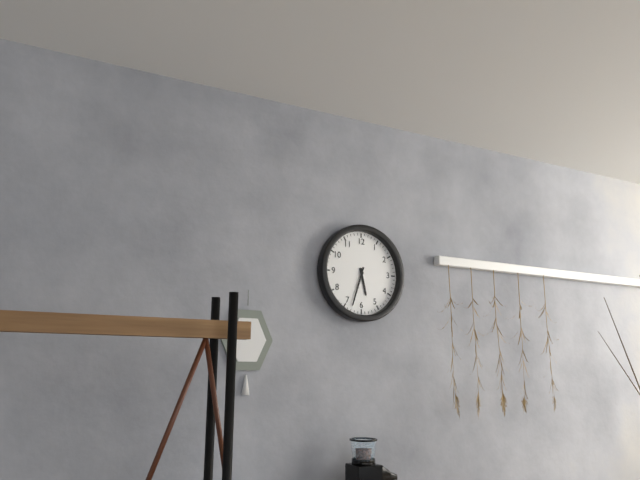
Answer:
5,33
